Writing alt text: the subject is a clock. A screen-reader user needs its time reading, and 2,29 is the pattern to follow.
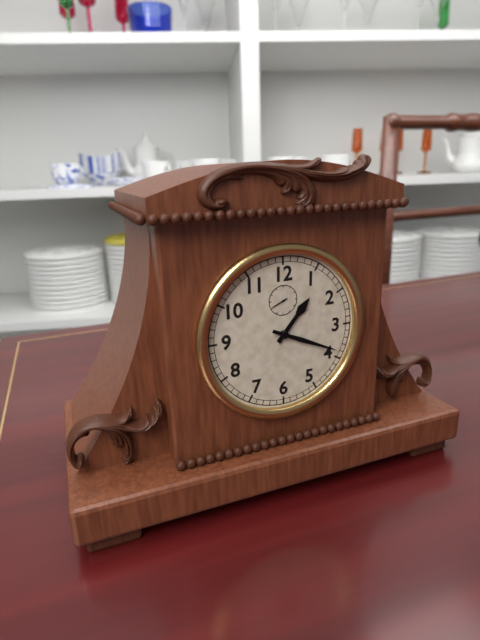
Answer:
1,19
